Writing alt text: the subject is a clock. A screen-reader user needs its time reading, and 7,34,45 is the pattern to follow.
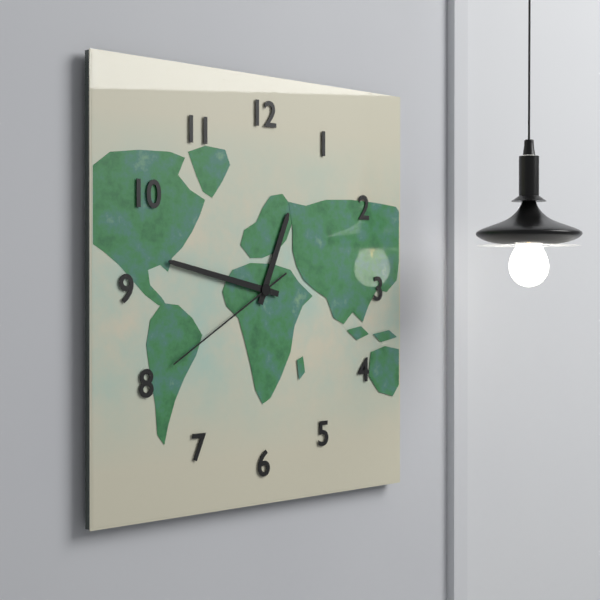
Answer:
12,47,40
